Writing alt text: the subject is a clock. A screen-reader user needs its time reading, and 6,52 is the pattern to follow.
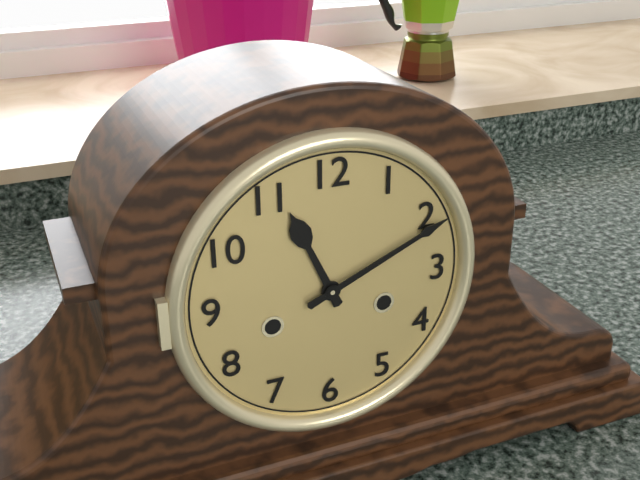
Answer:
11,11
